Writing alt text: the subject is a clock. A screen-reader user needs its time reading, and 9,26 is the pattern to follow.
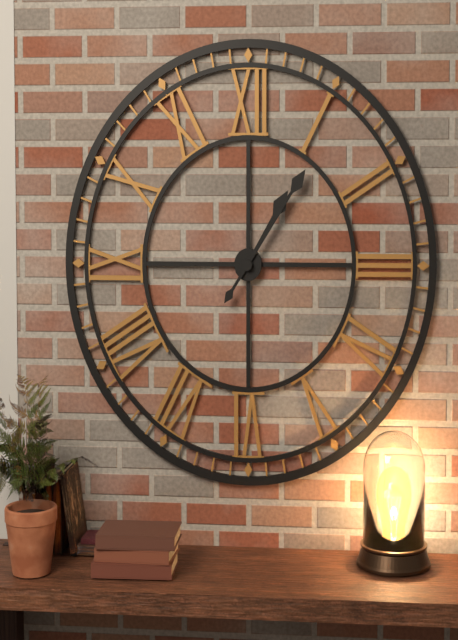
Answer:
1,06
